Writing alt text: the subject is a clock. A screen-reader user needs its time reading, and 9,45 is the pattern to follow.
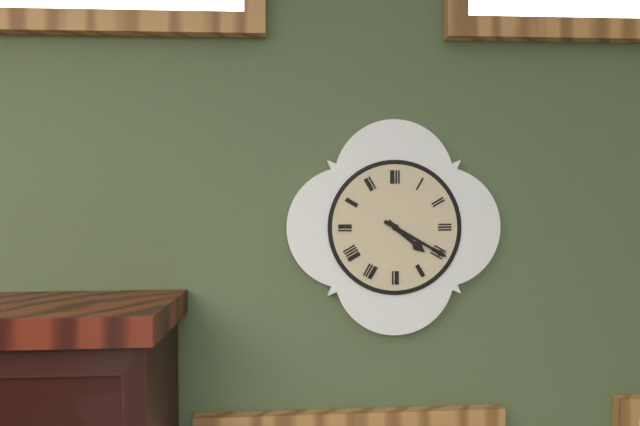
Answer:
4,20
